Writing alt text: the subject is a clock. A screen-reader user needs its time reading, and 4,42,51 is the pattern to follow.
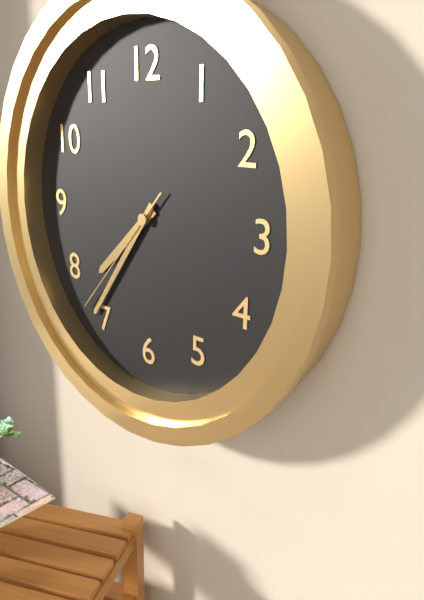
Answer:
7,36,37
